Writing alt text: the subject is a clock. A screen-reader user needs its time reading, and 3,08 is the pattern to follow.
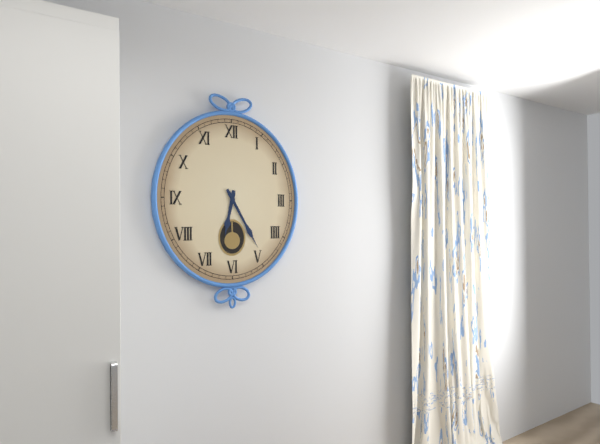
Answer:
6,25
